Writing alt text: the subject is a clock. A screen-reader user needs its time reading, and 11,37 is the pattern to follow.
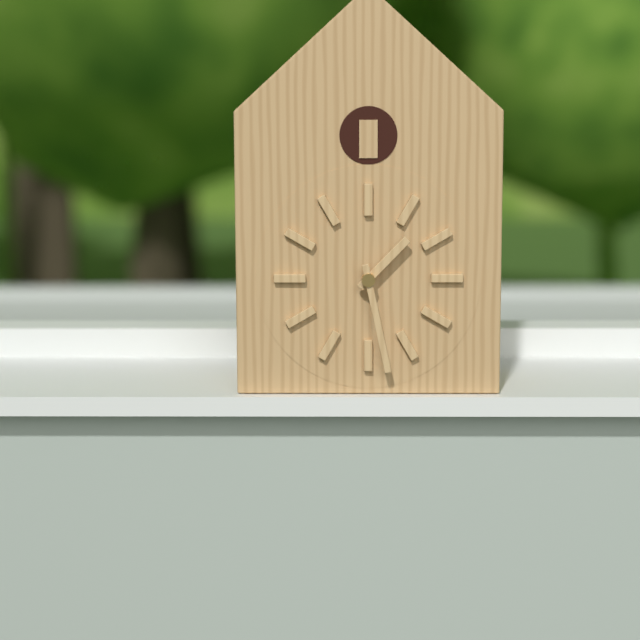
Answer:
1,28
